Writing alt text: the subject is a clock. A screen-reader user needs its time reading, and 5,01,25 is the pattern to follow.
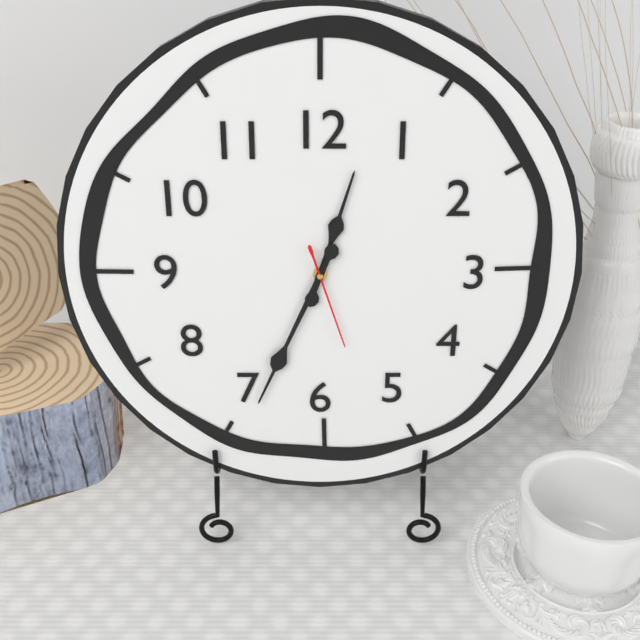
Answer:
12,34,27
